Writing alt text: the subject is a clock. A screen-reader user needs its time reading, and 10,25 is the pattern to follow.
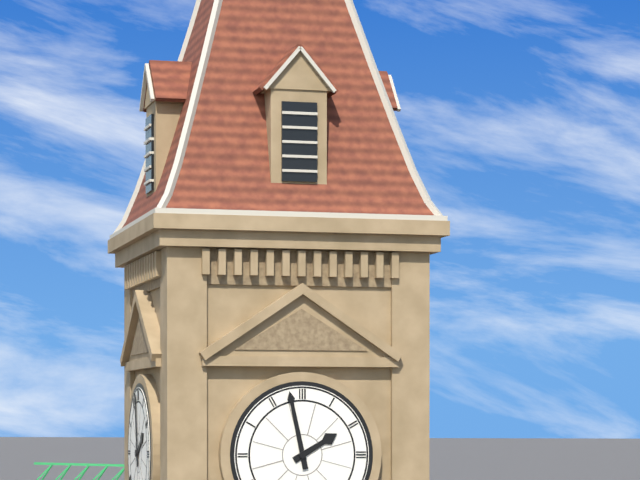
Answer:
1,58
